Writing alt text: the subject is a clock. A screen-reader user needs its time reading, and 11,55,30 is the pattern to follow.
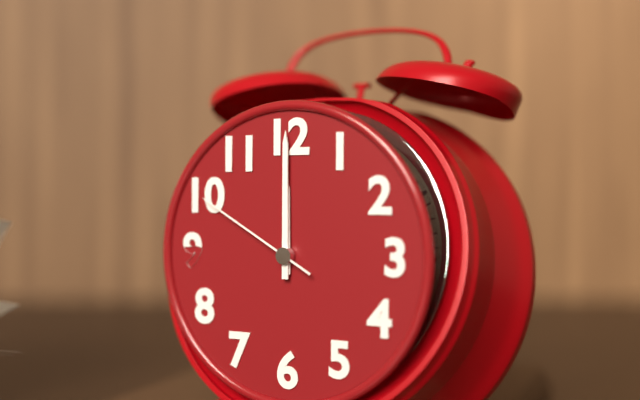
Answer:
12,00,50
